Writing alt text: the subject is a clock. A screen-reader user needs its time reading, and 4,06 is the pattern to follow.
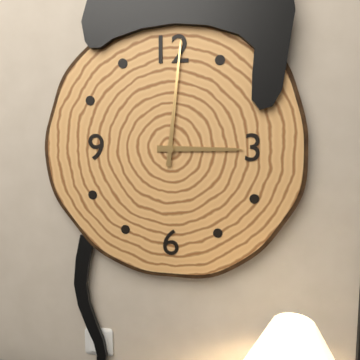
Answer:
3,01
